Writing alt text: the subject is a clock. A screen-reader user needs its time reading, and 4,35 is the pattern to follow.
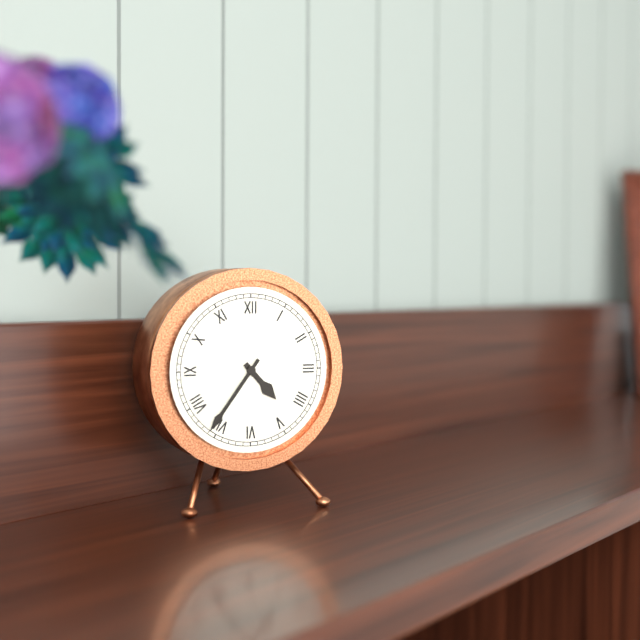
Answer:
4,36
